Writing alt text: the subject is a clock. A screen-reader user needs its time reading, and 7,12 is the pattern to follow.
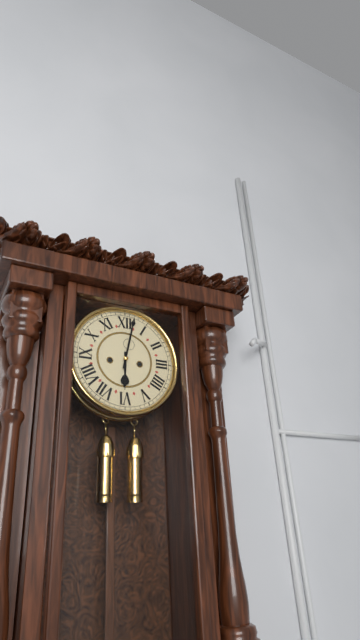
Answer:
6,02
